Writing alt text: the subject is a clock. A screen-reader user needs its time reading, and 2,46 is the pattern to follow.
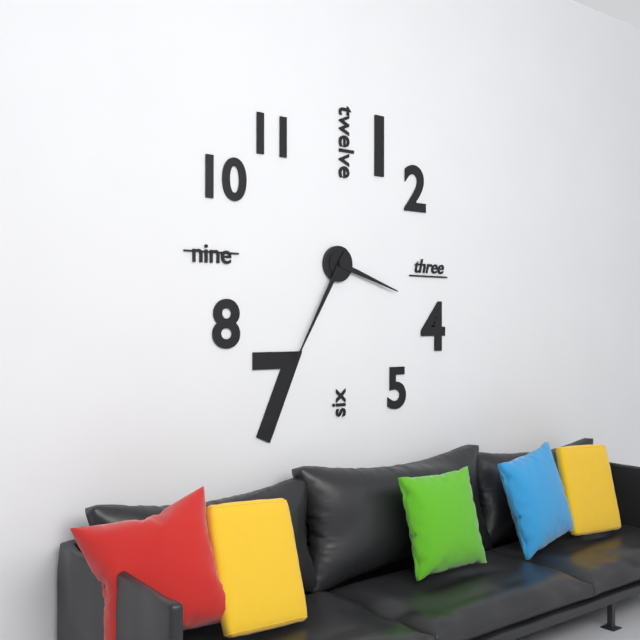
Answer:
3,35
